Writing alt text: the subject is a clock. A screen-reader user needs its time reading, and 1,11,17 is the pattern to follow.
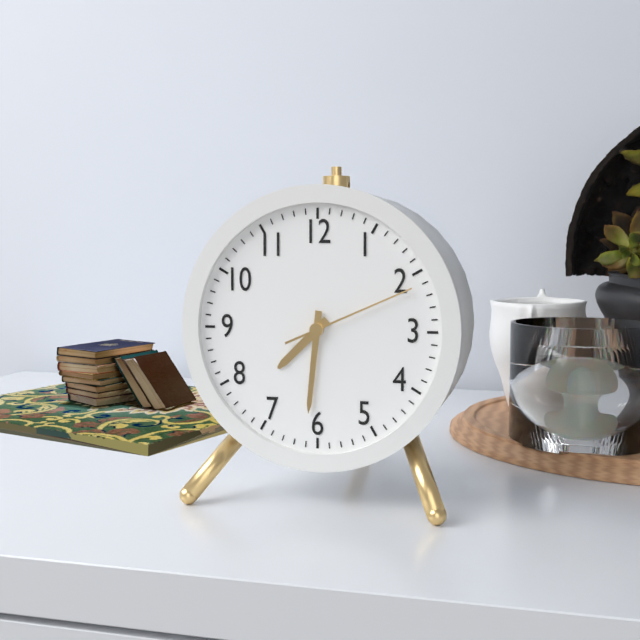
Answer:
7,31,11
